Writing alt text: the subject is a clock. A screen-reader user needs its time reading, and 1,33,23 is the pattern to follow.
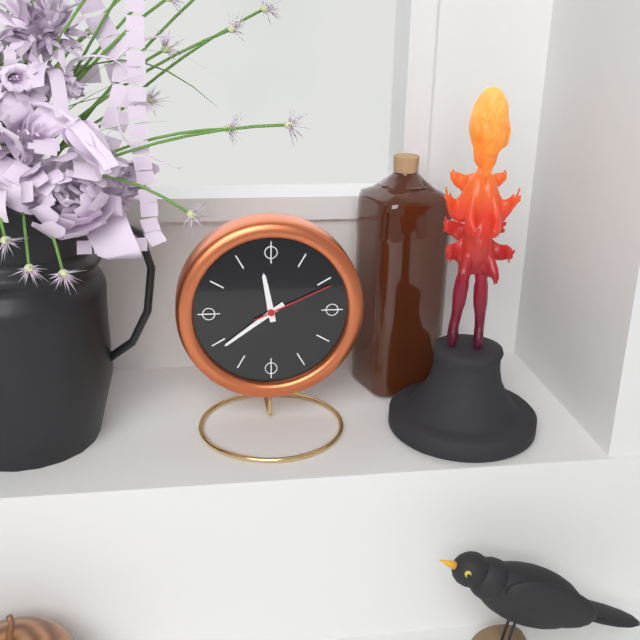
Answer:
11,39,11
